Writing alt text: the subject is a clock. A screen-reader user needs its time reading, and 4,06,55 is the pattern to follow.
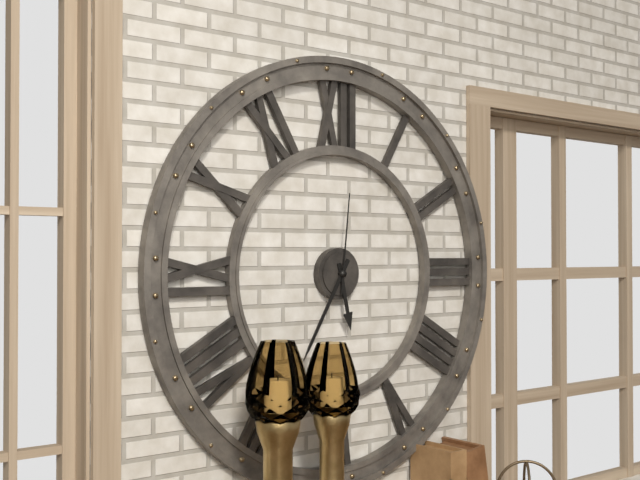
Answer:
5,35,01
